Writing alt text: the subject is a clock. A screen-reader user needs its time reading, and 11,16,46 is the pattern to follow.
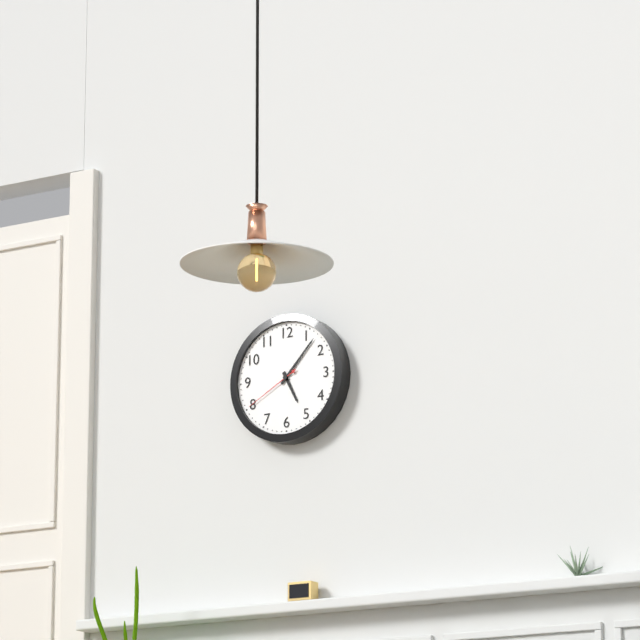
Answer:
5,07,40
